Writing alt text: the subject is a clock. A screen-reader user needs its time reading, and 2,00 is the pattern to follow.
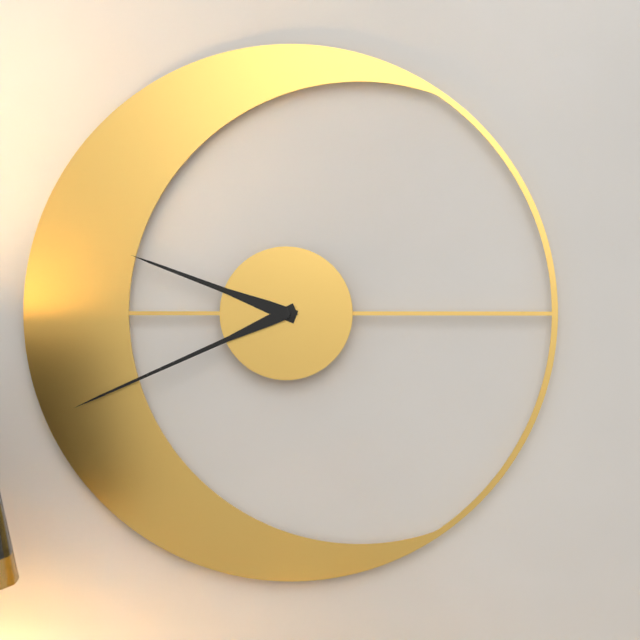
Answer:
9,41
